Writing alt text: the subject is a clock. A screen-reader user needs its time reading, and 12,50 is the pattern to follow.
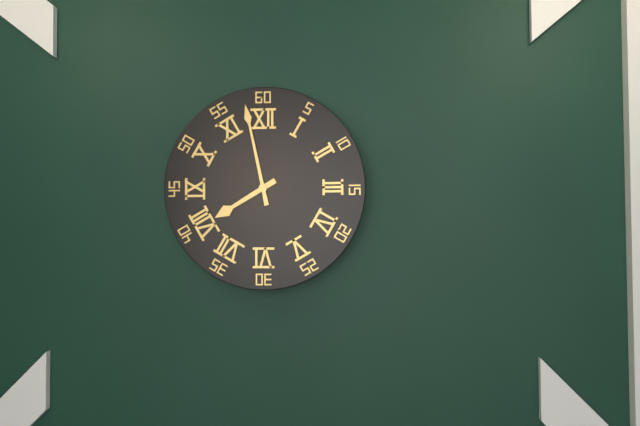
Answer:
7,58
